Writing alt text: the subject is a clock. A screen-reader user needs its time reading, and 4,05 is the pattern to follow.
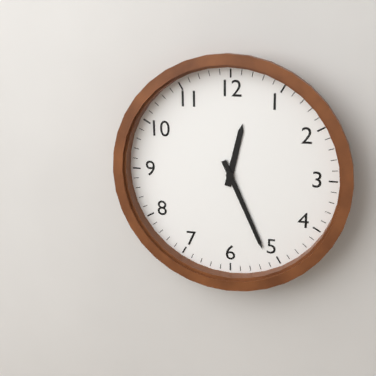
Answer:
12,26
